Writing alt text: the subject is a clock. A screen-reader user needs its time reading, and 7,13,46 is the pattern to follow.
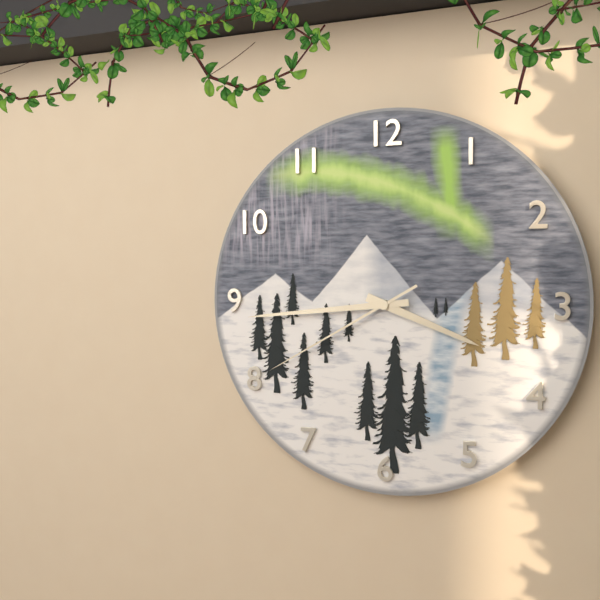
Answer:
3,44,40
